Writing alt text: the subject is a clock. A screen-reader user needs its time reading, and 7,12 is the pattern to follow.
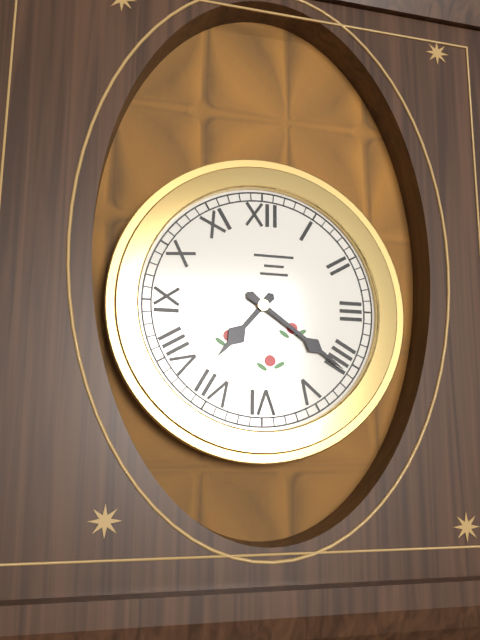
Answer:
7,21
